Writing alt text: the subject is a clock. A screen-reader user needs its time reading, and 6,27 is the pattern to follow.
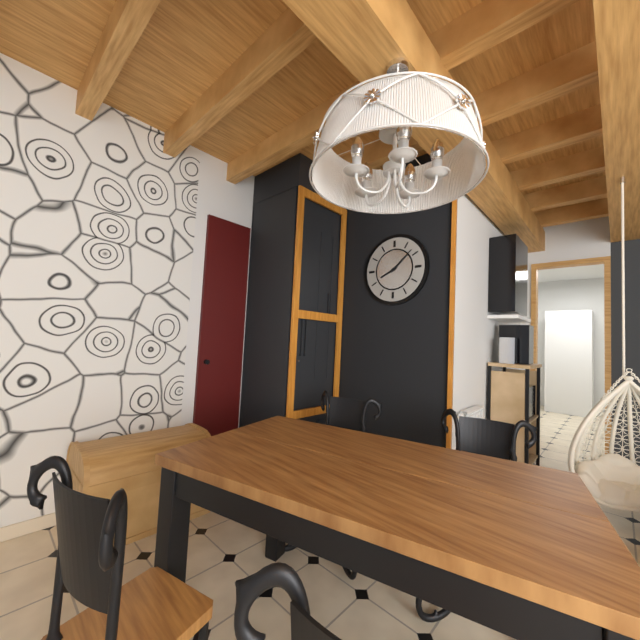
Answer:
8,08
